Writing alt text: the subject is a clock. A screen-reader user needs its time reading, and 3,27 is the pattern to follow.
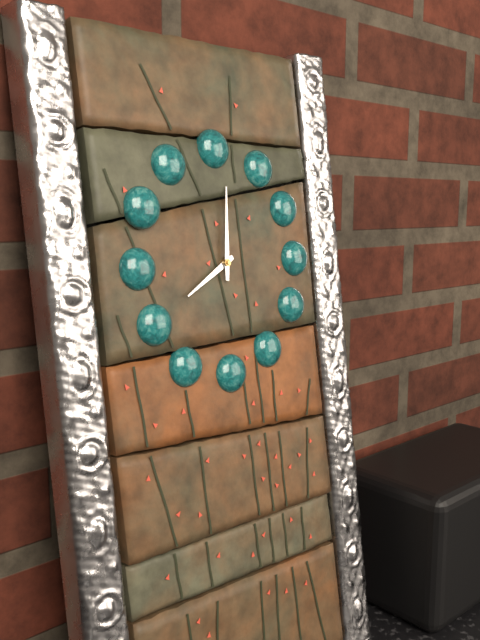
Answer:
8,01
